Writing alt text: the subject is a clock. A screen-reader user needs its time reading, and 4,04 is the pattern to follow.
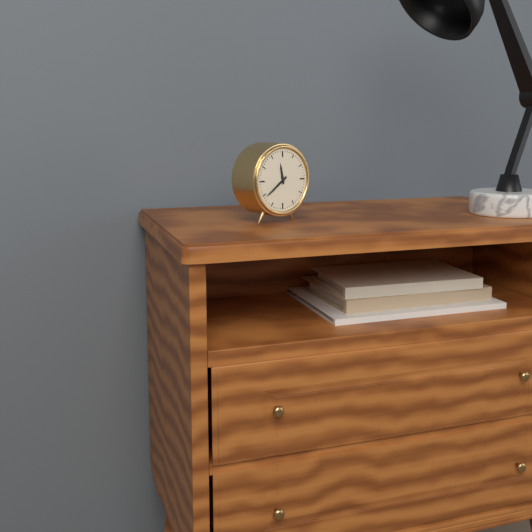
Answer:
11,39
